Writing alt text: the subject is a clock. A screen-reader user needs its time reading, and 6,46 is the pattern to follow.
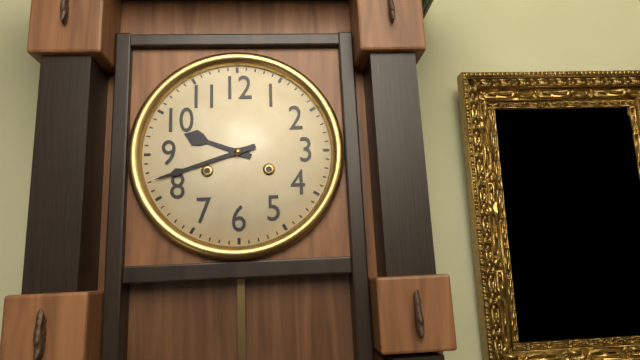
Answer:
9,42
